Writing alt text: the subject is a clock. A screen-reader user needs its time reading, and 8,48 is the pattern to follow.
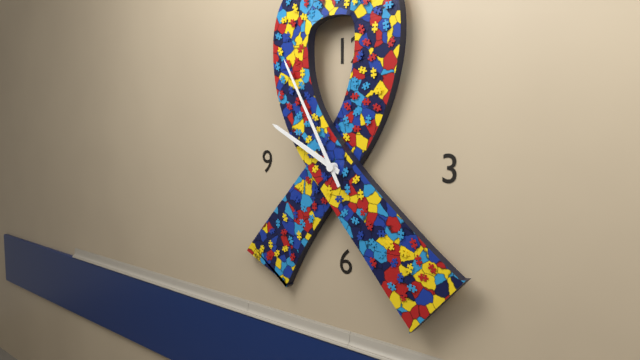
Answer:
9,55
